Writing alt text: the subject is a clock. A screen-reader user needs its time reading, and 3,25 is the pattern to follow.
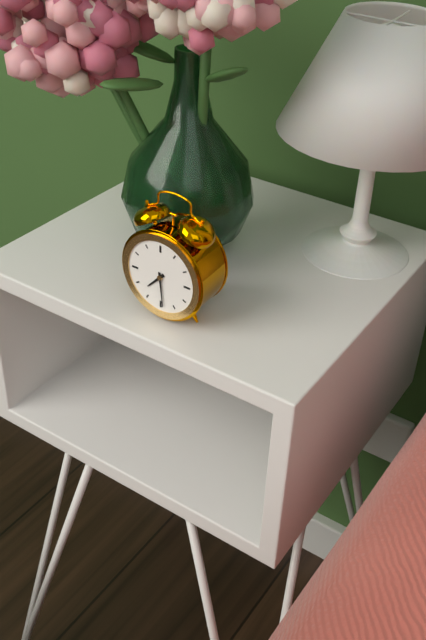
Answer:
7,29
